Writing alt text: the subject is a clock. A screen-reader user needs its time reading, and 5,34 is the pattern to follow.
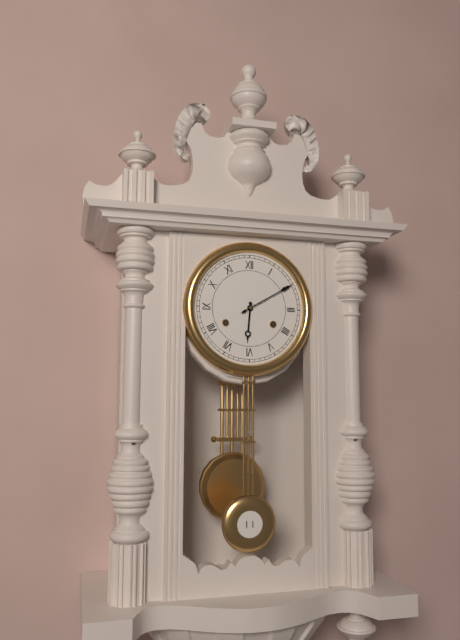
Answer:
6,10
